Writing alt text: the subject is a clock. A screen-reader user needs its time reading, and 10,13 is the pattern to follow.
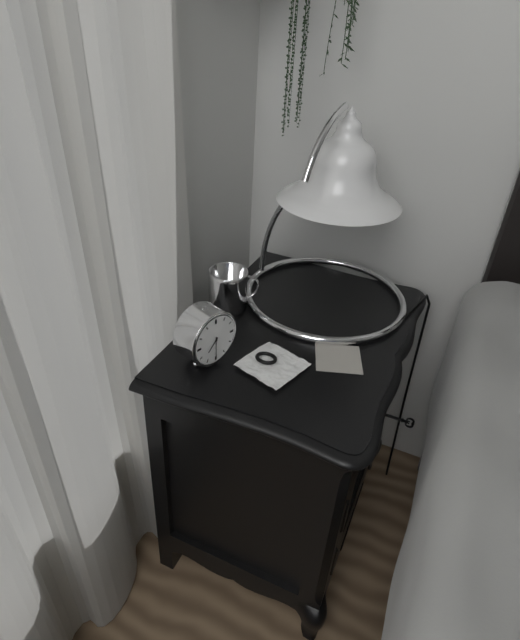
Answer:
7,30
